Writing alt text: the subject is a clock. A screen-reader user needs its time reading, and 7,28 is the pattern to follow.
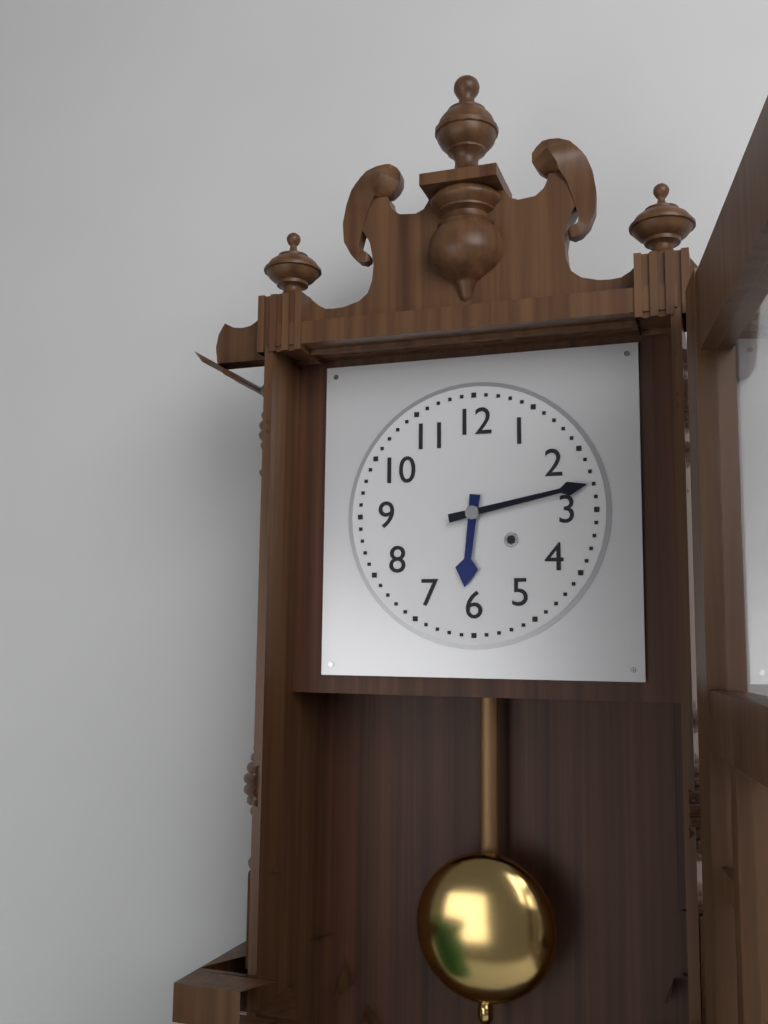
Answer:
6,13
